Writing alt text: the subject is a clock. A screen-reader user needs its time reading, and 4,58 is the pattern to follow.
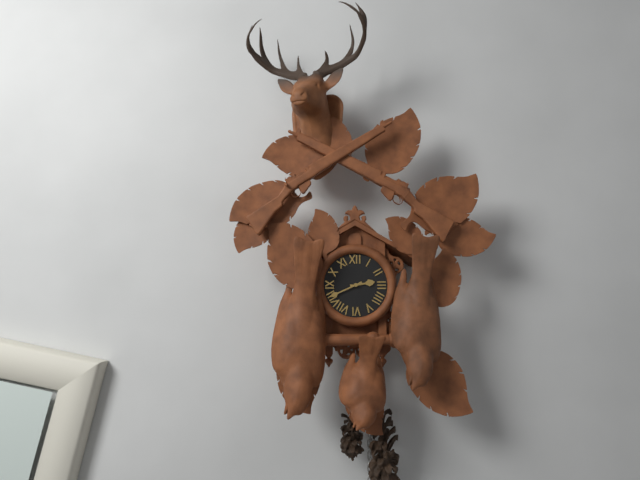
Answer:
2,41
